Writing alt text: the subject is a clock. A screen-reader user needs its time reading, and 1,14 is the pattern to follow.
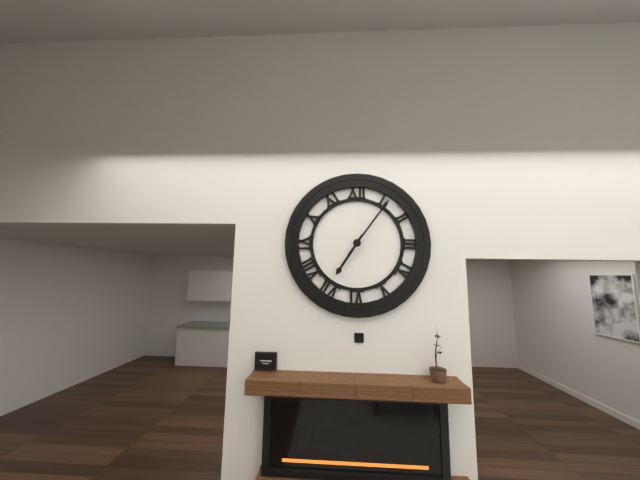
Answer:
7,06
